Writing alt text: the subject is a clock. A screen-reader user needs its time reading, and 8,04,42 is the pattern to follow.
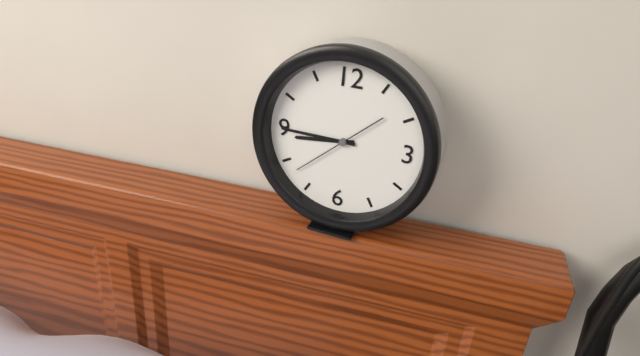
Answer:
8,45,38
